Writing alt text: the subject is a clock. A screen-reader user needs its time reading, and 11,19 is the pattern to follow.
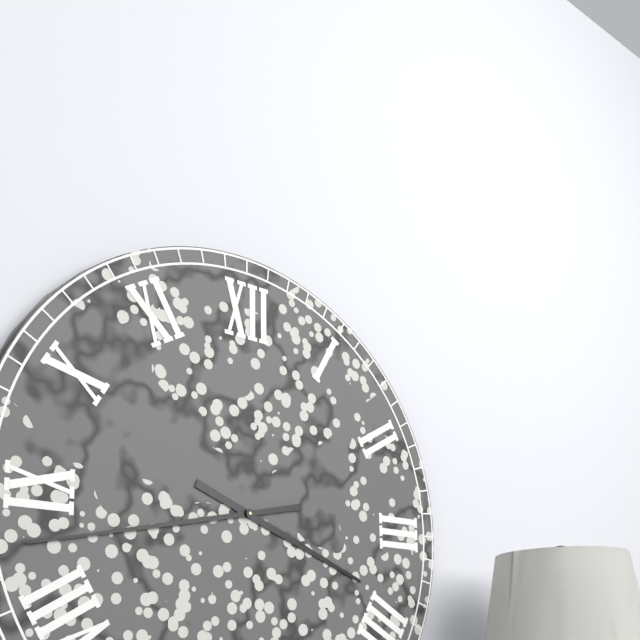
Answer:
3,43
